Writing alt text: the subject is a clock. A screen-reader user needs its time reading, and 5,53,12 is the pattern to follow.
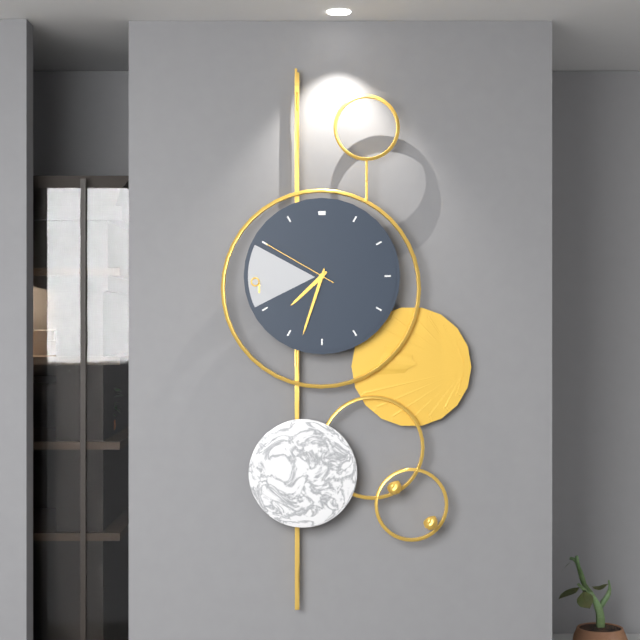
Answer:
7,33,50
